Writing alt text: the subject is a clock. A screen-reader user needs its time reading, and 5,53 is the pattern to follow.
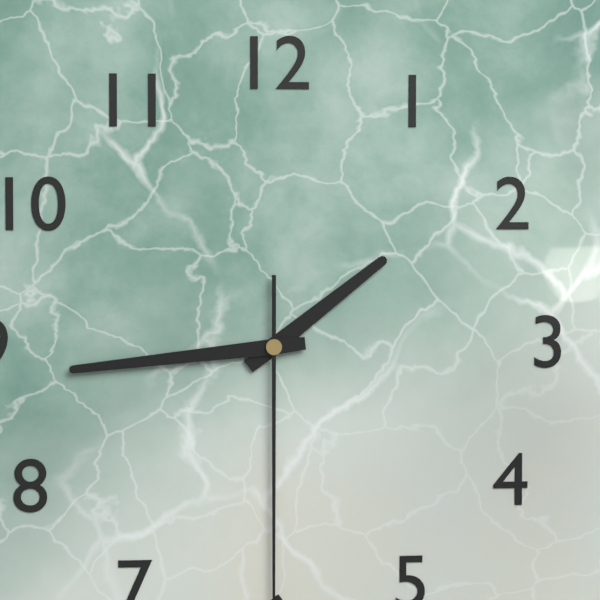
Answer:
1,44
